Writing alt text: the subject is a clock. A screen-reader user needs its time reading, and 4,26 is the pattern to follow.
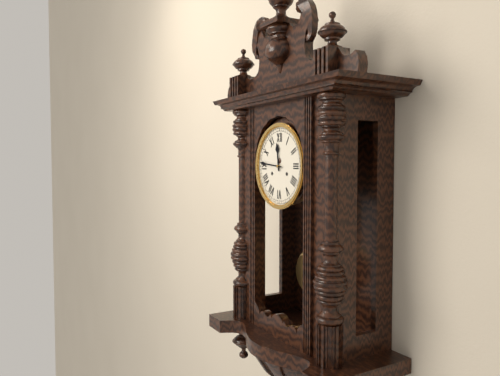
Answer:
11,46
